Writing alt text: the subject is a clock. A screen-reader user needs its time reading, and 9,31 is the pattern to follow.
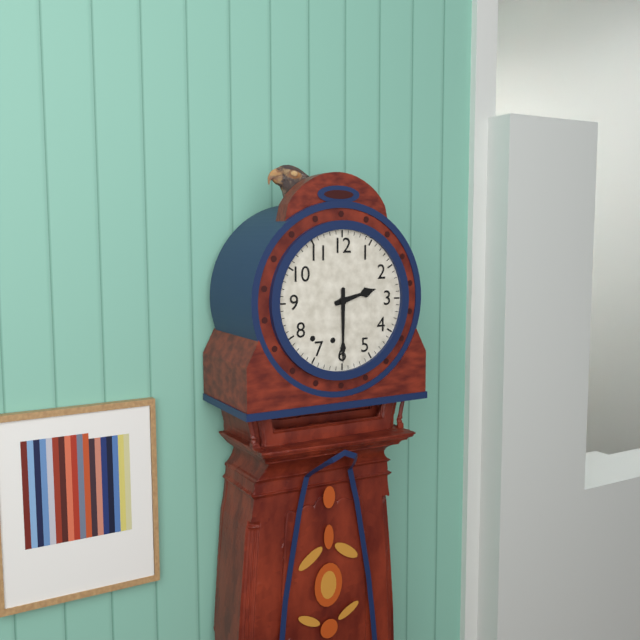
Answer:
2,30
